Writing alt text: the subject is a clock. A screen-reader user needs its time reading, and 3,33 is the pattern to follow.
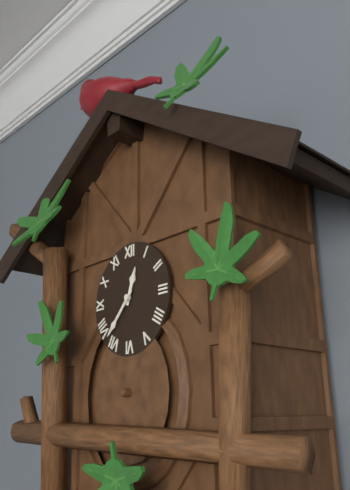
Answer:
12,37
